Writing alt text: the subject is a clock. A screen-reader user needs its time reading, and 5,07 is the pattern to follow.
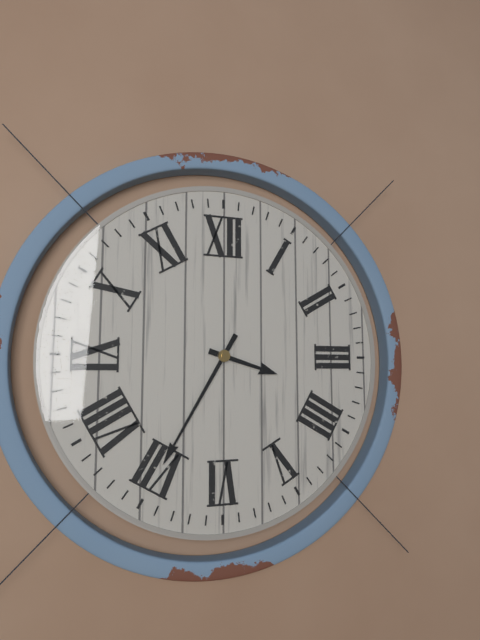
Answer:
3,35
